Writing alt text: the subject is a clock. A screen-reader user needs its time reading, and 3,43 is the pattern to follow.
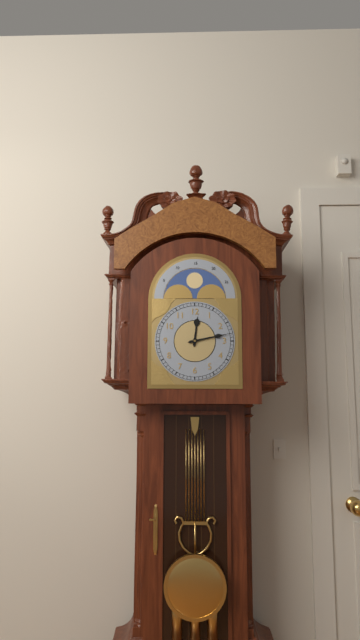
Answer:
12,13
